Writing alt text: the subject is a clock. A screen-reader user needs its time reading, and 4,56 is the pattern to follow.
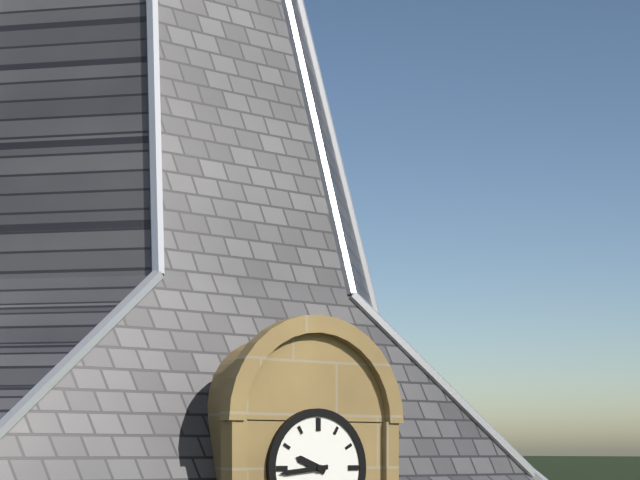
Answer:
9,44
